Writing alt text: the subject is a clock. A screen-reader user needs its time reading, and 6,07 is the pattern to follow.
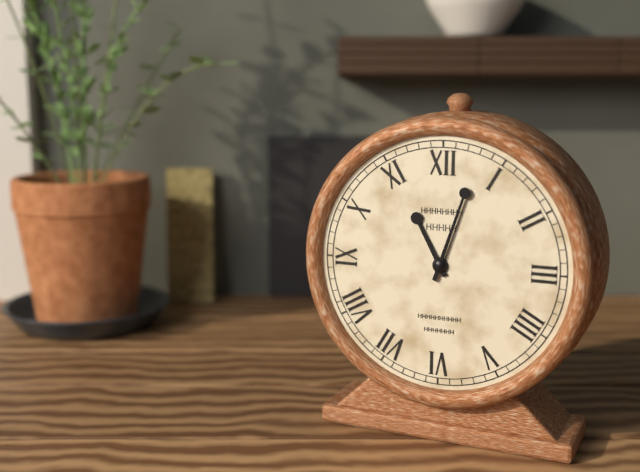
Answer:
11,03
